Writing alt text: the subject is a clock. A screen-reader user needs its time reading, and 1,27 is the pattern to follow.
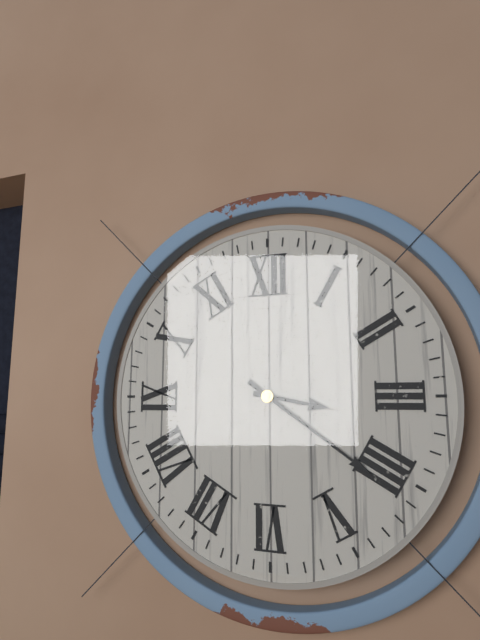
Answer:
3,21
